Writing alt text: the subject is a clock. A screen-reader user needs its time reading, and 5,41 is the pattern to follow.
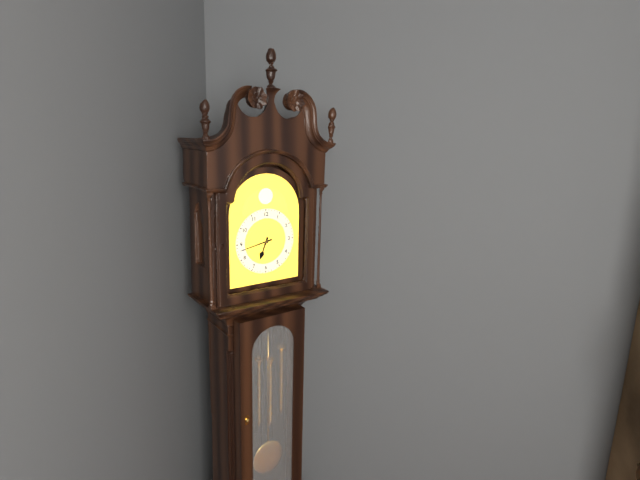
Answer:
6,43
